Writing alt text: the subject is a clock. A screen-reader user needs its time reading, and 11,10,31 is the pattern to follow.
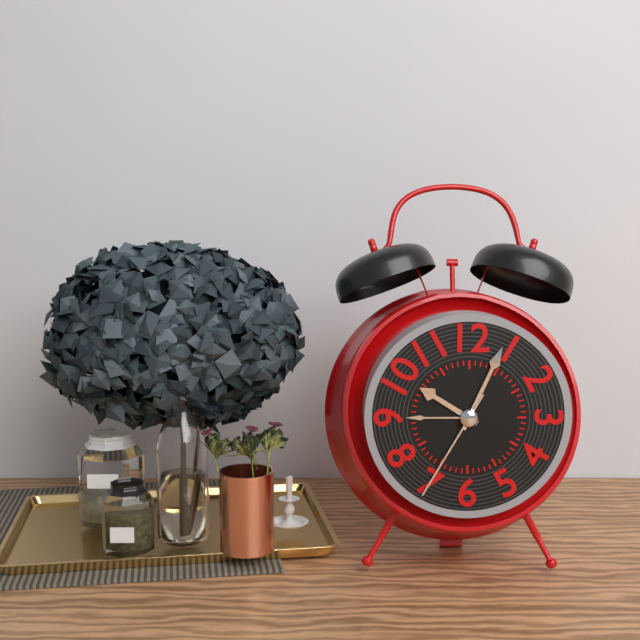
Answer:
10,04,35
